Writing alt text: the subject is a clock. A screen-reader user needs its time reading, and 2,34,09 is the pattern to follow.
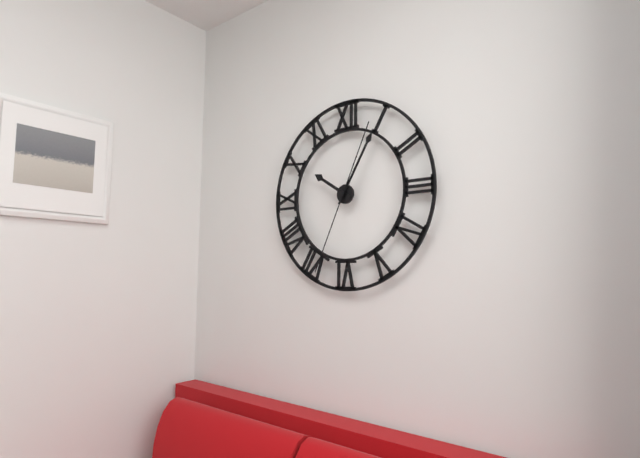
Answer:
10,05,34
